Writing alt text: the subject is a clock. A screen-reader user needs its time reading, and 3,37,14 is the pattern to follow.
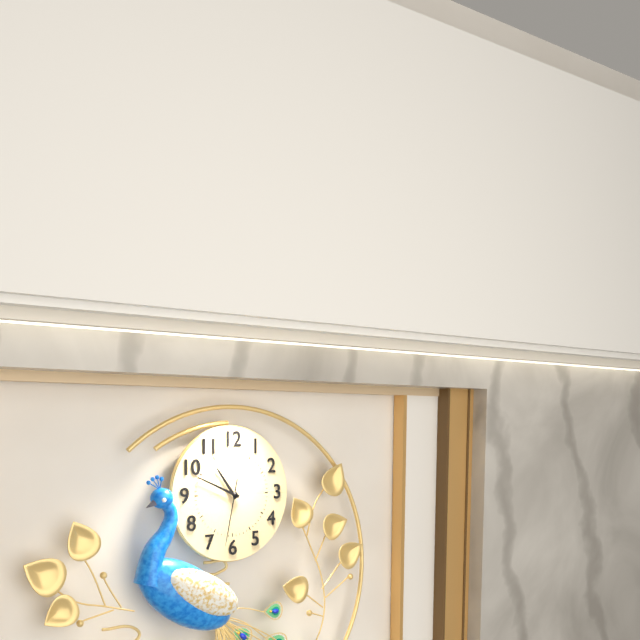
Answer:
10,49,32
